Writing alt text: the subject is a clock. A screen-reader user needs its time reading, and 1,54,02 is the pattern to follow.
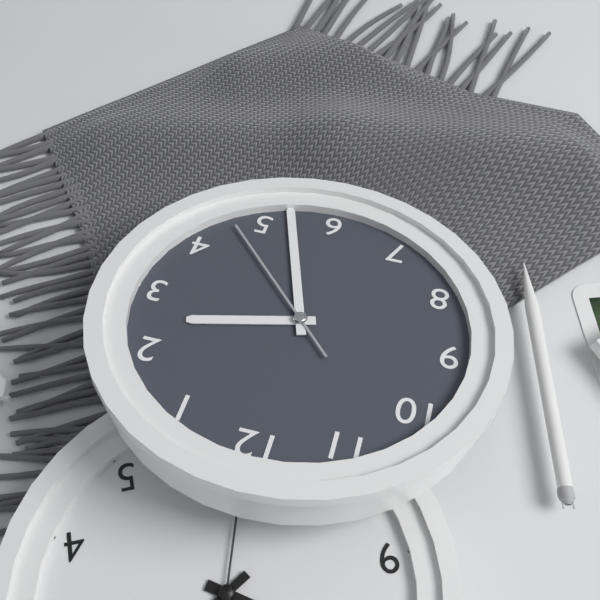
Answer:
2,27,23
